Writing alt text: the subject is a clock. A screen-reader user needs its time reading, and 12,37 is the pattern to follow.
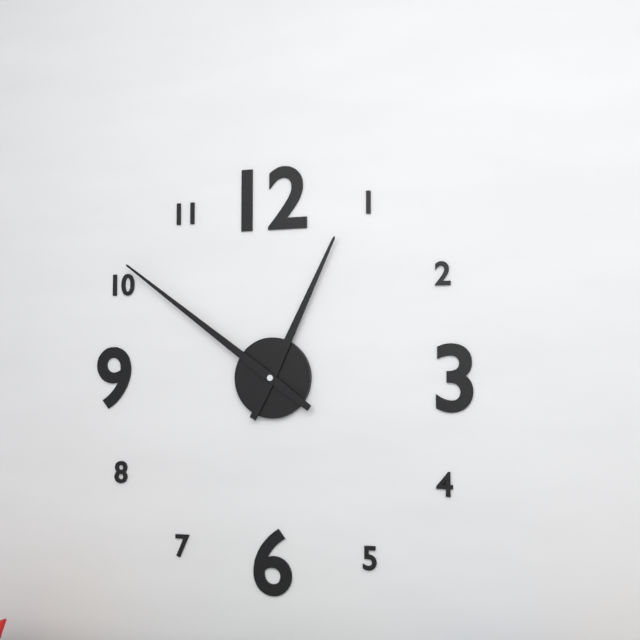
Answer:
12,51
